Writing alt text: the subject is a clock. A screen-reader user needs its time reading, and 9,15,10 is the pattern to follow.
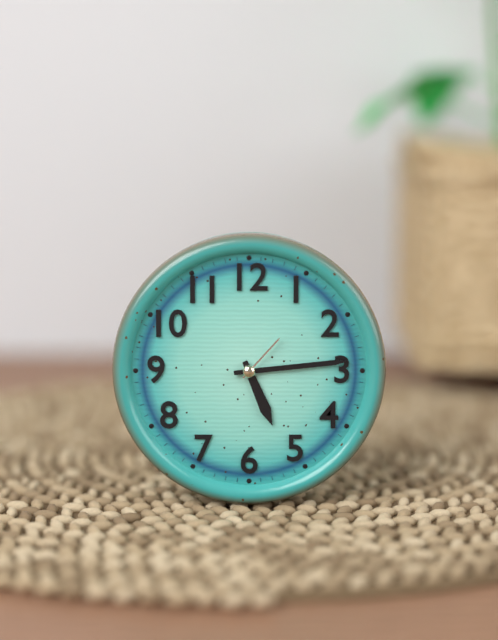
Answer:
5,14,07
